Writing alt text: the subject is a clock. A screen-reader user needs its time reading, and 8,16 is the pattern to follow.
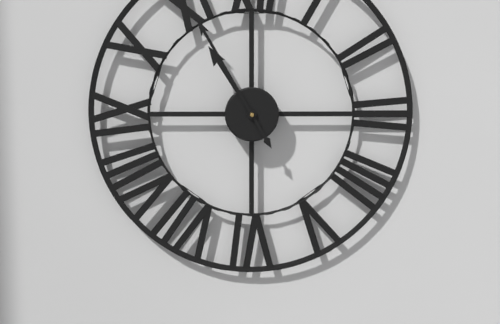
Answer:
10,55
